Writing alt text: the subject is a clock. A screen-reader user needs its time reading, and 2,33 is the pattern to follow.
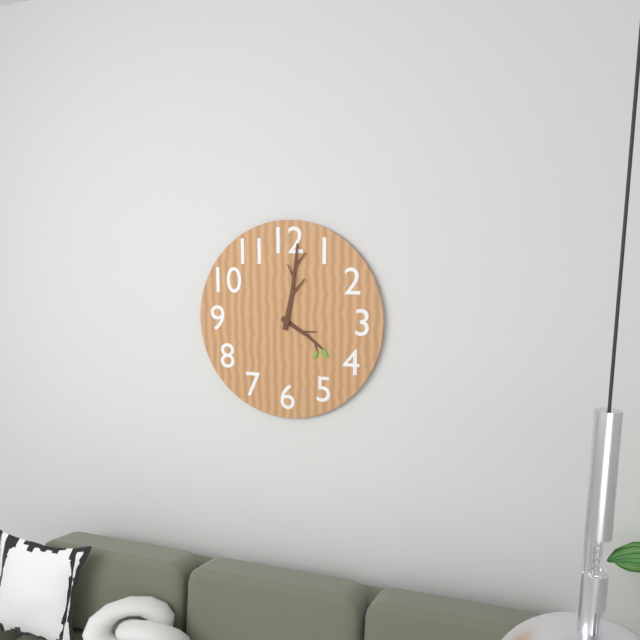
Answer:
4,02
